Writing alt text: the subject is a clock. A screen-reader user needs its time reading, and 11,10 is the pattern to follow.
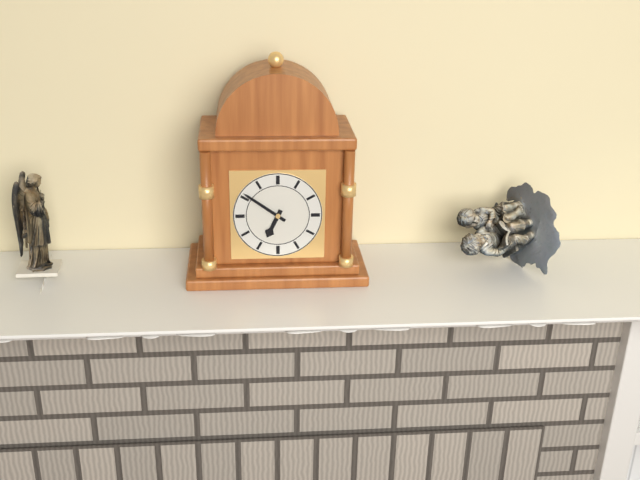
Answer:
6,51
